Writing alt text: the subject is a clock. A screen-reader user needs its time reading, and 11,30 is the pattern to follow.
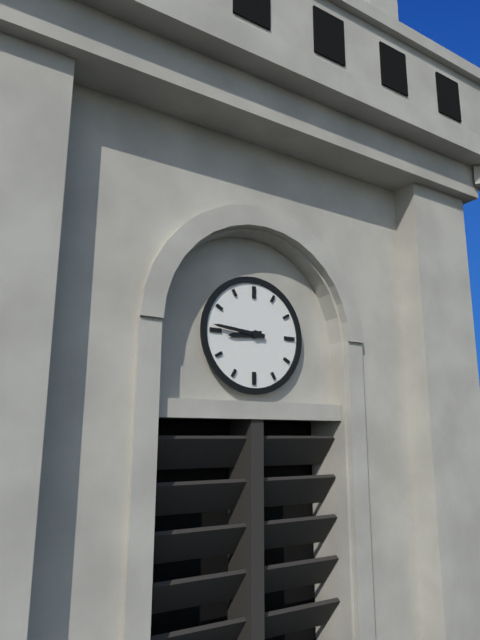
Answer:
8,46
